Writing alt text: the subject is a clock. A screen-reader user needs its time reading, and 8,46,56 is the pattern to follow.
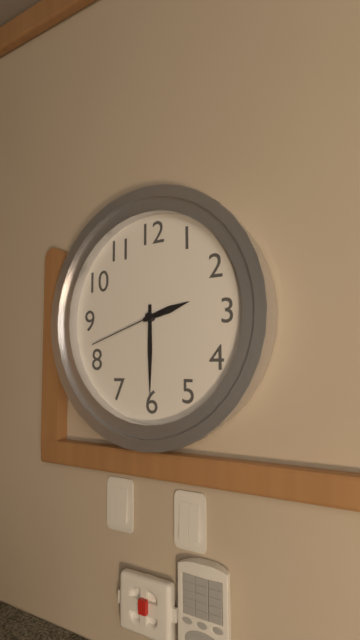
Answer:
2,30,42
